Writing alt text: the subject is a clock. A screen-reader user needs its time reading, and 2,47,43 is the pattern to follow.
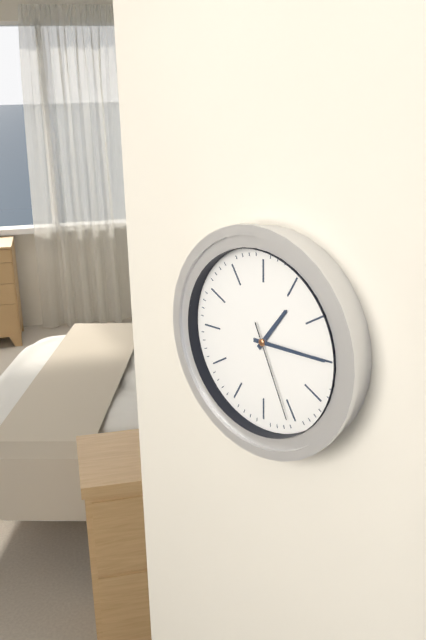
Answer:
1,15,26
